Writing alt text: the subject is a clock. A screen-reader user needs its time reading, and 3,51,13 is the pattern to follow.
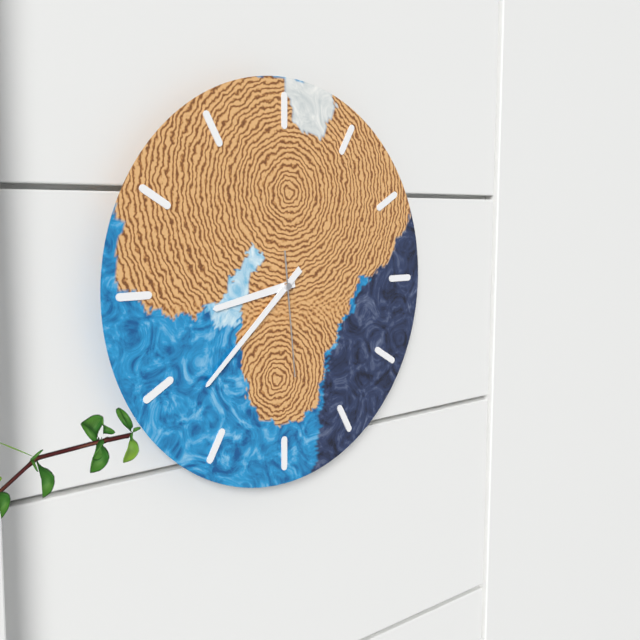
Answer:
8,38,29
